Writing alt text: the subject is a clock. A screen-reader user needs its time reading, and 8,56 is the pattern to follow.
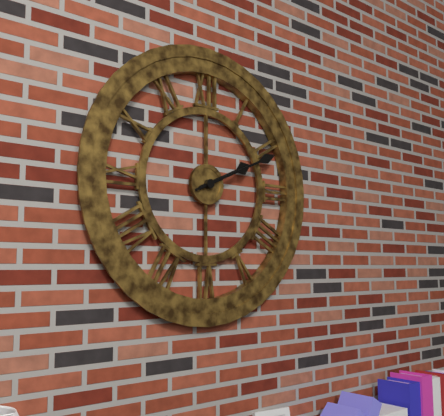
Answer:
2,11
